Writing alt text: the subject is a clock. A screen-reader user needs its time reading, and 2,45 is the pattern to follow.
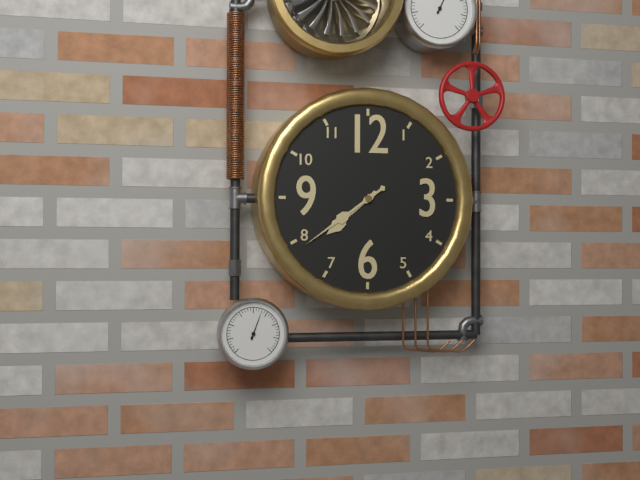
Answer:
7,39
